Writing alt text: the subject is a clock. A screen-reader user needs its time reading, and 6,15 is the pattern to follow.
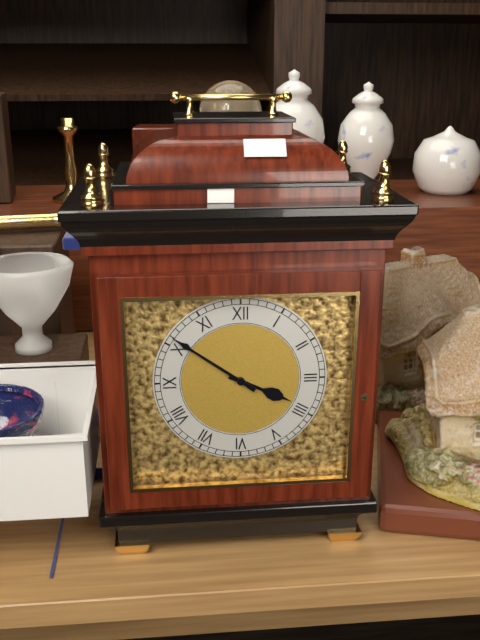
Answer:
3,51
